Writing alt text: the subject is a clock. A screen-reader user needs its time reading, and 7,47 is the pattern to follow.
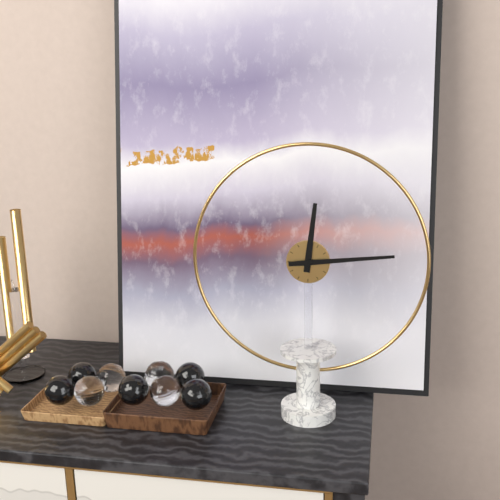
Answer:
12,14
